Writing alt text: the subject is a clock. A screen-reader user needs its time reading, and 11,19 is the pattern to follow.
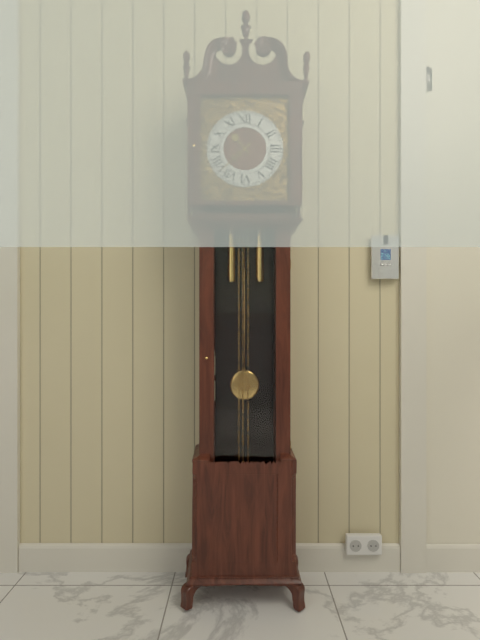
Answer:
10,38
